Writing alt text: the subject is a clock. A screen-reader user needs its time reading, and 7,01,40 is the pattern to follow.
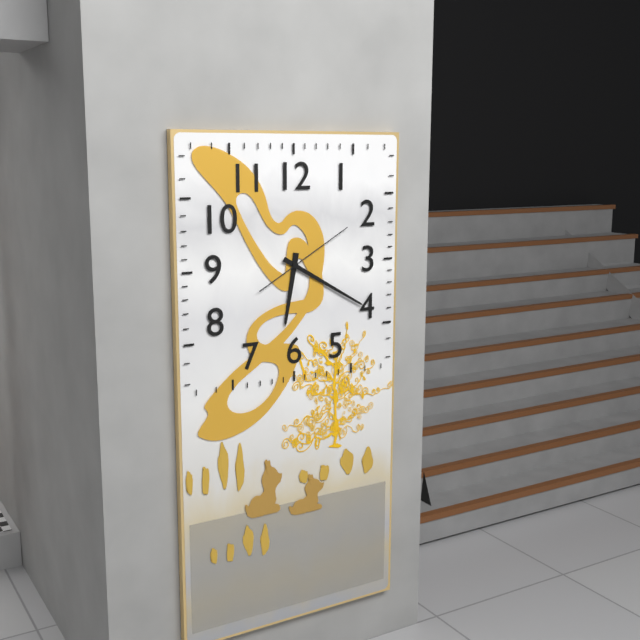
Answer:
6,20,10
